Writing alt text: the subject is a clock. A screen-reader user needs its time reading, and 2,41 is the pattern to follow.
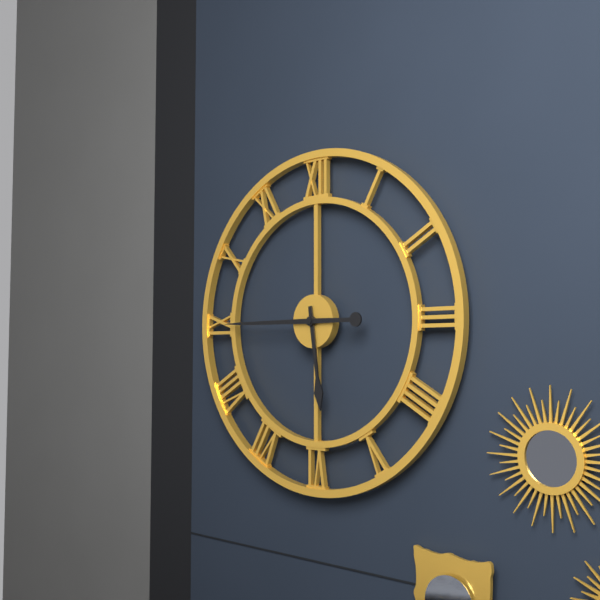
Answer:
5,45
